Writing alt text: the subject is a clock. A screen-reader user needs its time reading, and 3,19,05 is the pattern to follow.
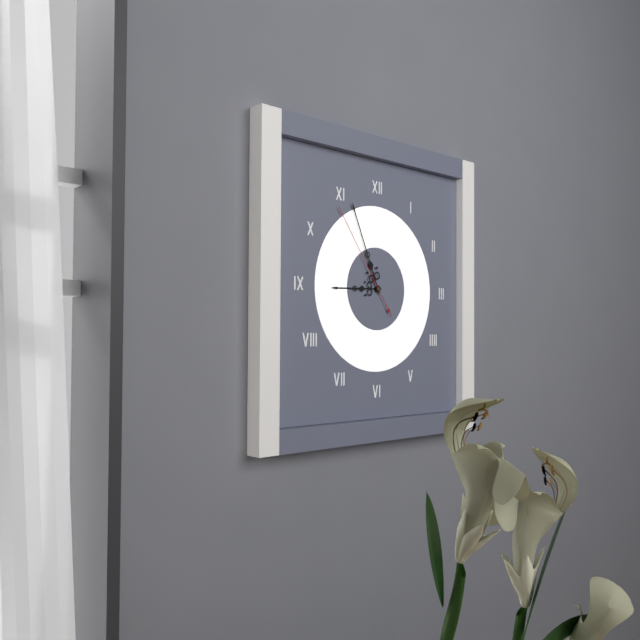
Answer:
8,56,54
